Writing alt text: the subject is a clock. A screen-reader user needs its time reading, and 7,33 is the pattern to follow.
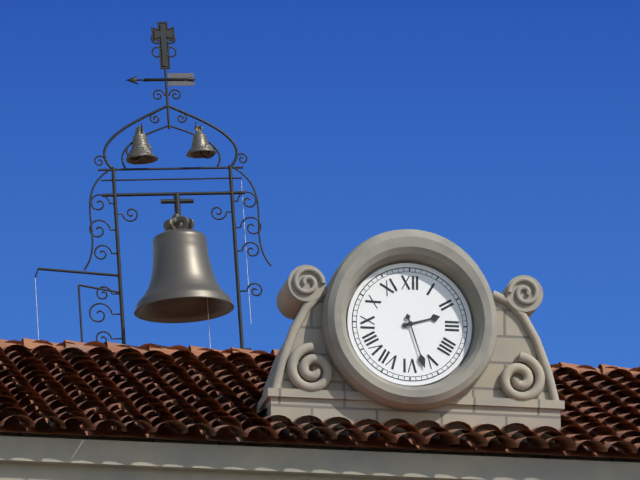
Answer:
2,27
